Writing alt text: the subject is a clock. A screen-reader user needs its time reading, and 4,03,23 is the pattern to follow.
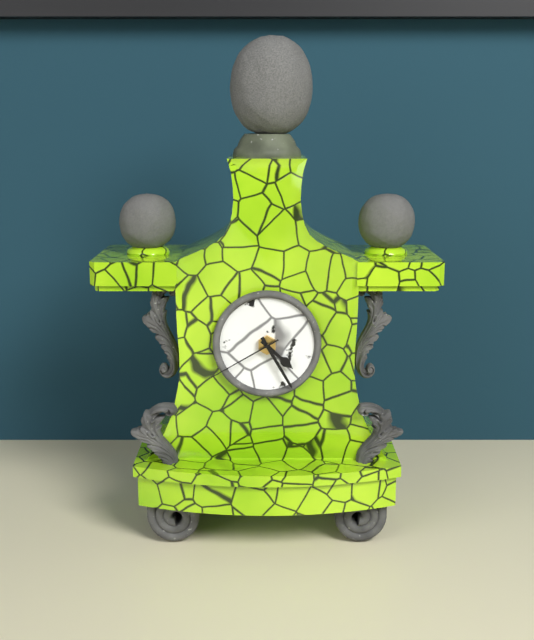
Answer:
4,25,40
